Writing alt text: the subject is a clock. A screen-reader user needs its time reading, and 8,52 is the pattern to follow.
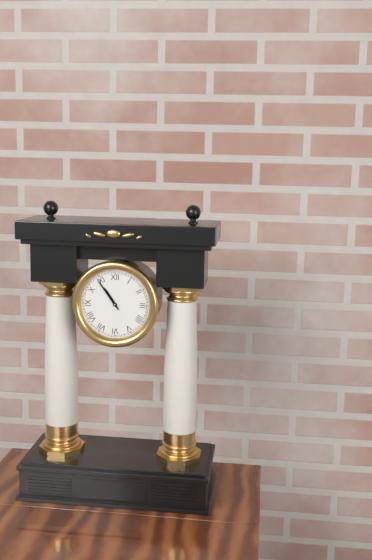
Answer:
10,54
